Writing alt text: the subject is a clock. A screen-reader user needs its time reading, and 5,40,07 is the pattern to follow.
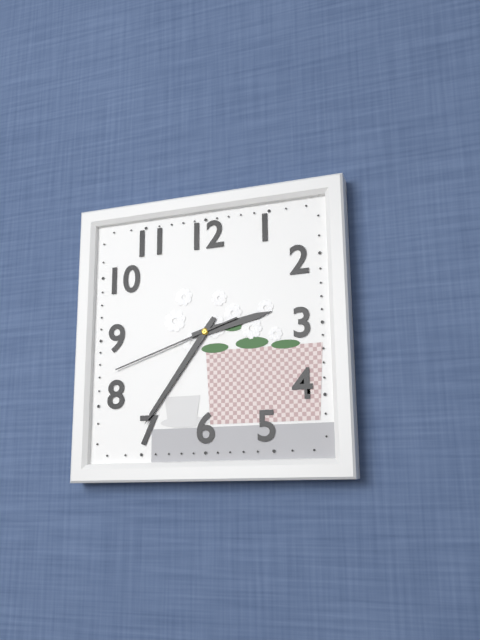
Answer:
2,36,42
